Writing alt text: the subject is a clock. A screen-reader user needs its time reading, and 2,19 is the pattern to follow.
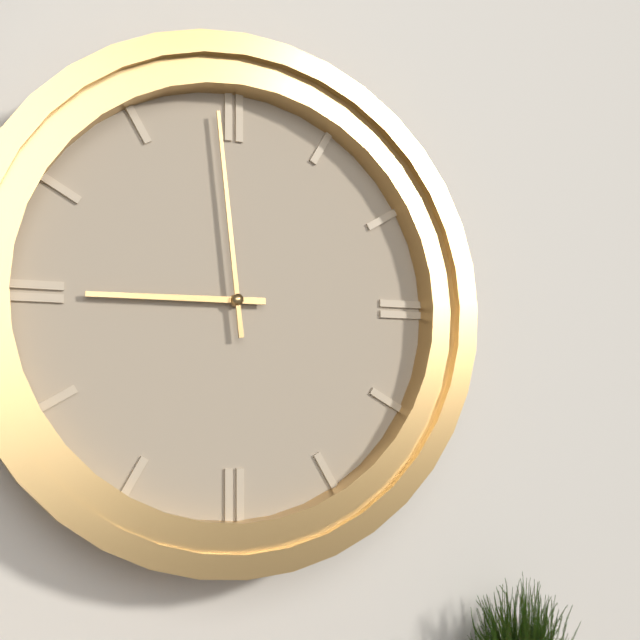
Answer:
8,59
